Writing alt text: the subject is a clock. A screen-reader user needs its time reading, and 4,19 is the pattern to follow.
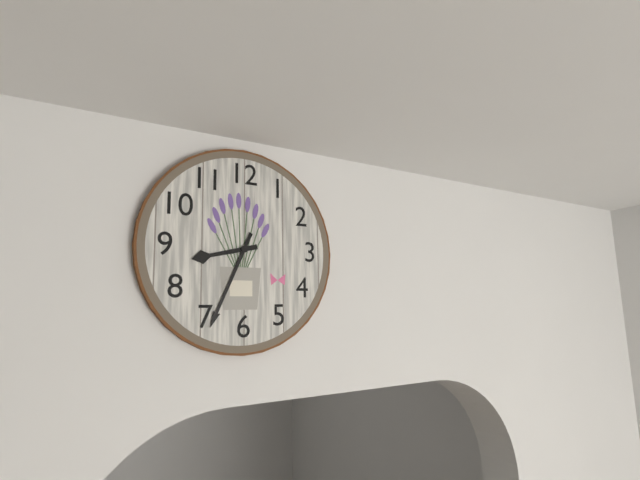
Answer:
8,34
